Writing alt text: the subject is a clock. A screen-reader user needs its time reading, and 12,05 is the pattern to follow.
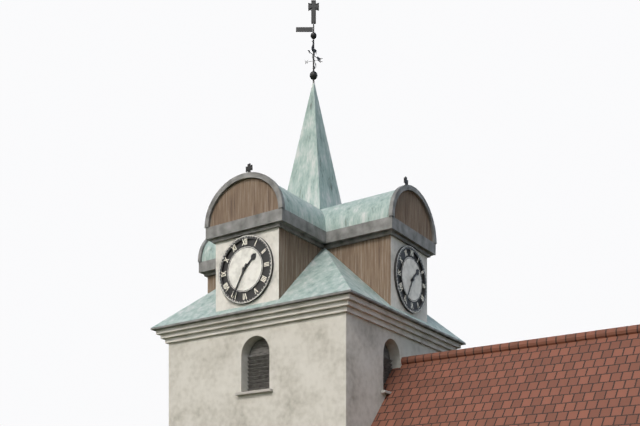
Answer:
1,35
